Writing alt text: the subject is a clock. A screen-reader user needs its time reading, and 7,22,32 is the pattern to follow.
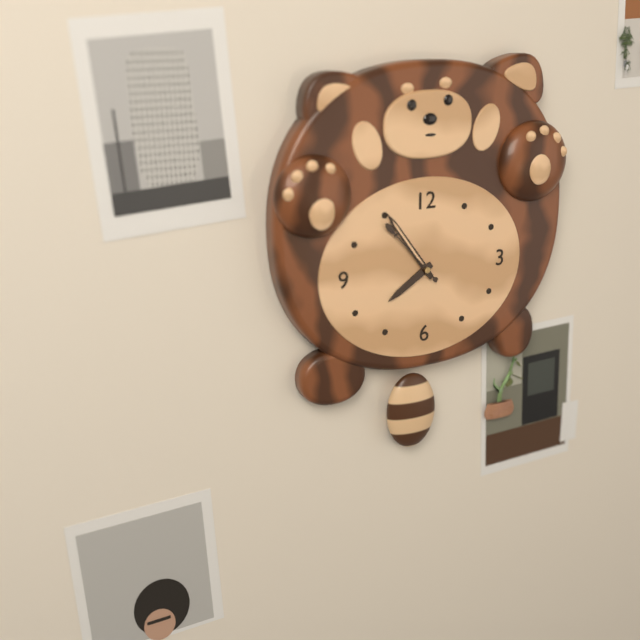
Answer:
7,54,53
